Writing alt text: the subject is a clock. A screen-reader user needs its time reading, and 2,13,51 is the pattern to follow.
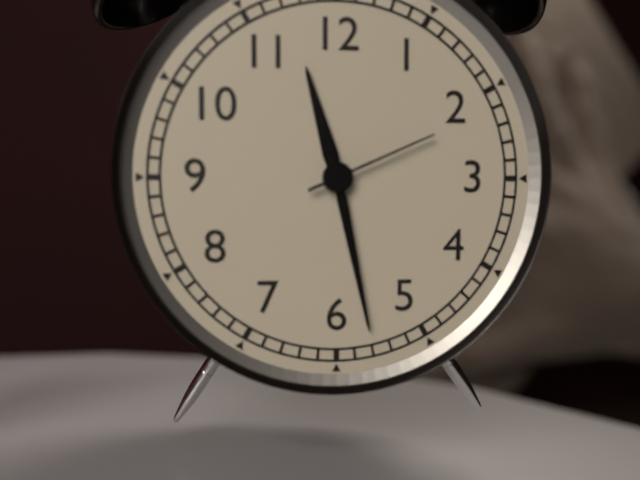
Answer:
11,28,11
